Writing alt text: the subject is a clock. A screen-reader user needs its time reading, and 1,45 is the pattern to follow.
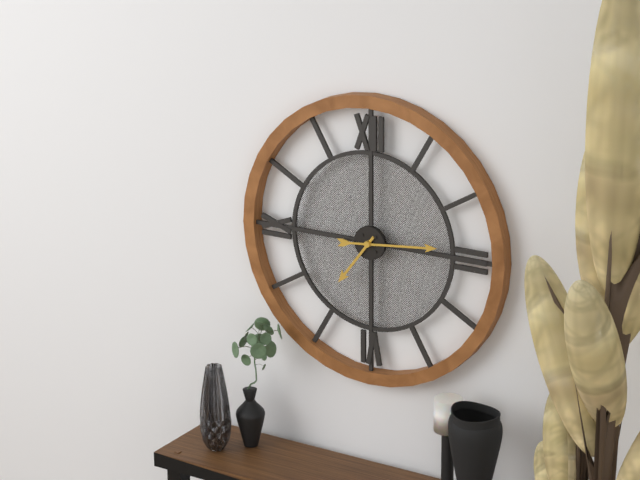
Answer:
7,14
